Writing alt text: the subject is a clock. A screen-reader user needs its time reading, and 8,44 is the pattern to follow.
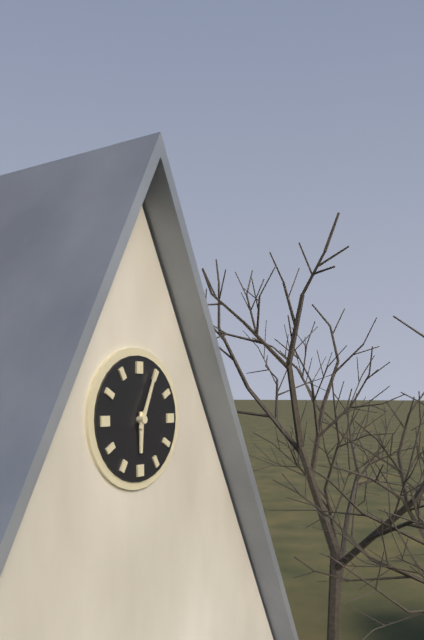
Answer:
6,04
